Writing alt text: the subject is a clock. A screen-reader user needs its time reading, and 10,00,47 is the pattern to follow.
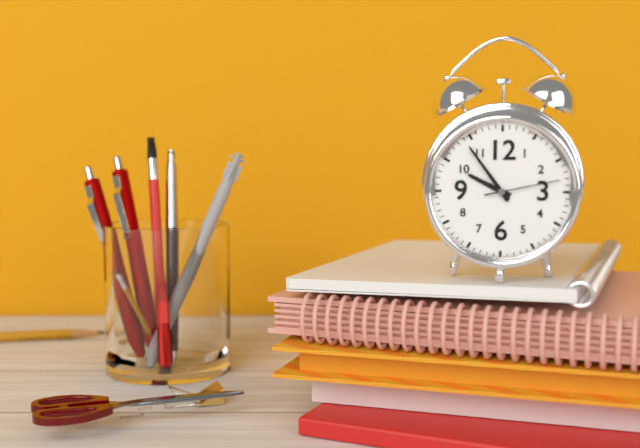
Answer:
9,54,13
